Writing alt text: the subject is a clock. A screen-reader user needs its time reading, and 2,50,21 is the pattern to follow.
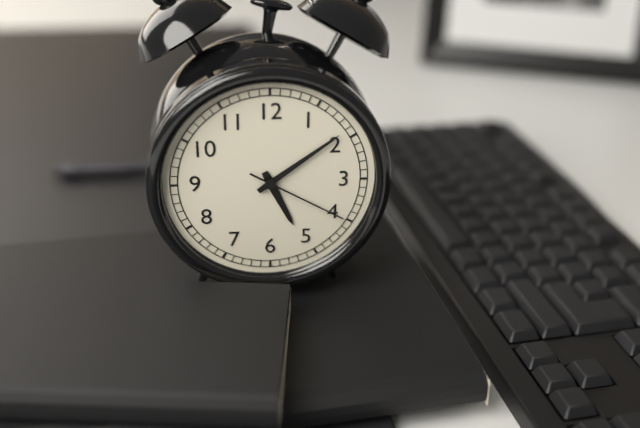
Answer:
5,09,20
